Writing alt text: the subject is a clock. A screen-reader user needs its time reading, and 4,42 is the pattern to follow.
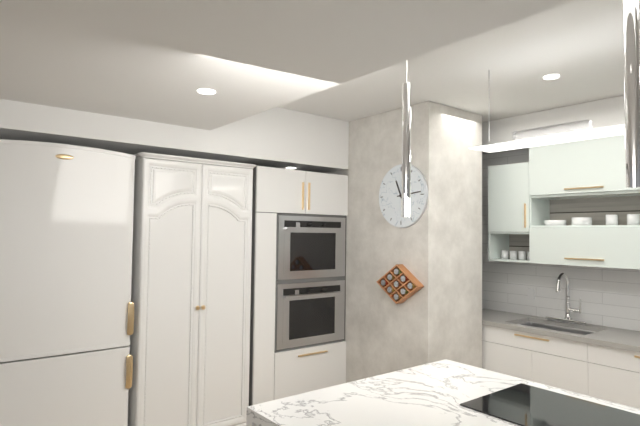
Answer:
11,14
